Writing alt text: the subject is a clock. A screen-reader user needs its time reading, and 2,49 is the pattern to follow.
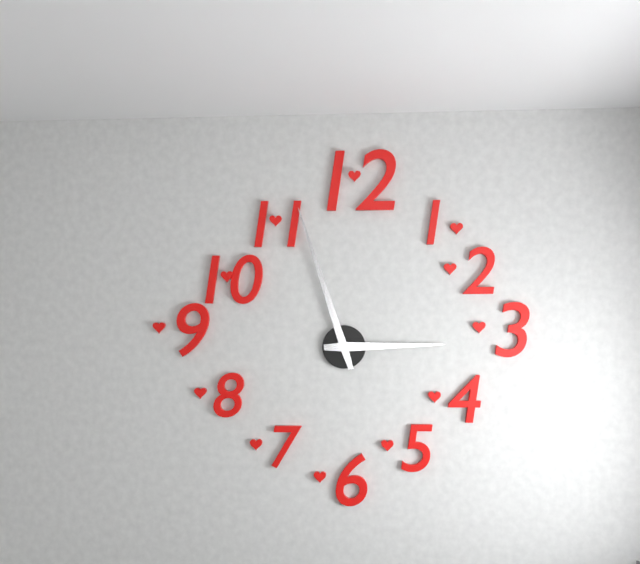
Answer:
2,57
